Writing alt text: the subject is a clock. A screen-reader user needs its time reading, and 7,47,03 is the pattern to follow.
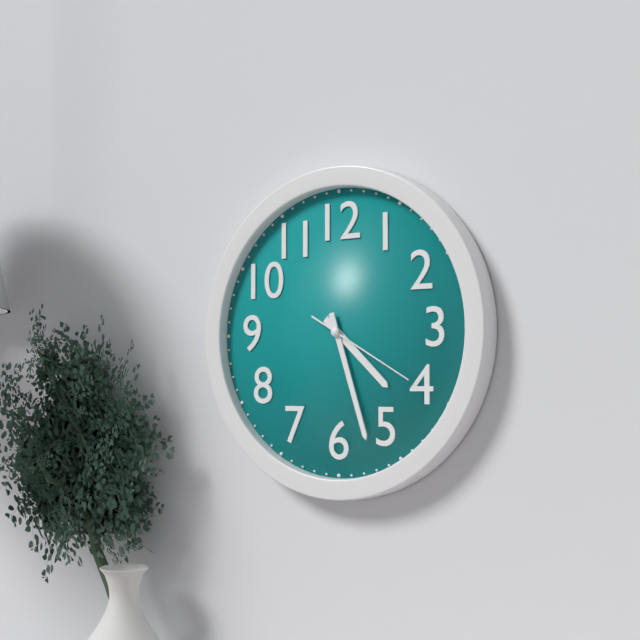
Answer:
4,27,20
